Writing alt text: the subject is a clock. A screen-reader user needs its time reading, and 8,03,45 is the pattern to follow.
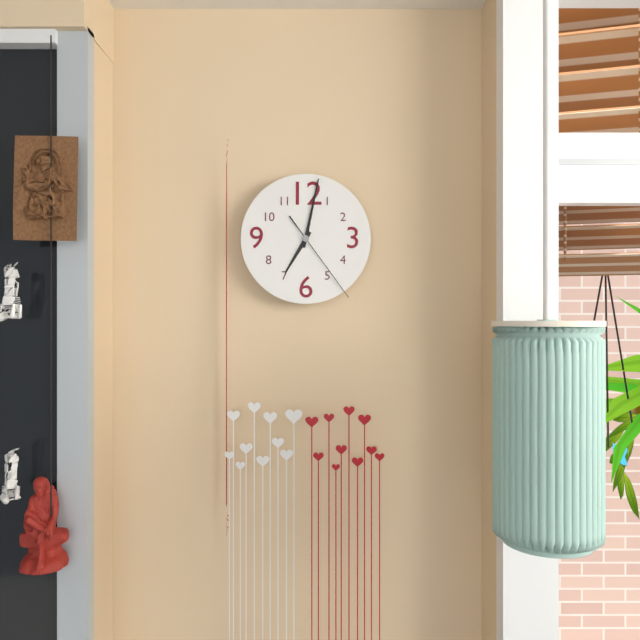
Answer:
7,02,24
